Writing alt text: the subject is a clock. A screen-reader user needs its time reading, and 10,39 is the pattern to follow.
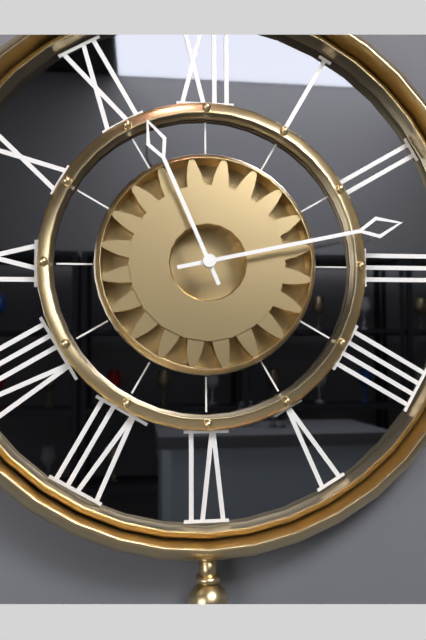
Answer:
11,13
